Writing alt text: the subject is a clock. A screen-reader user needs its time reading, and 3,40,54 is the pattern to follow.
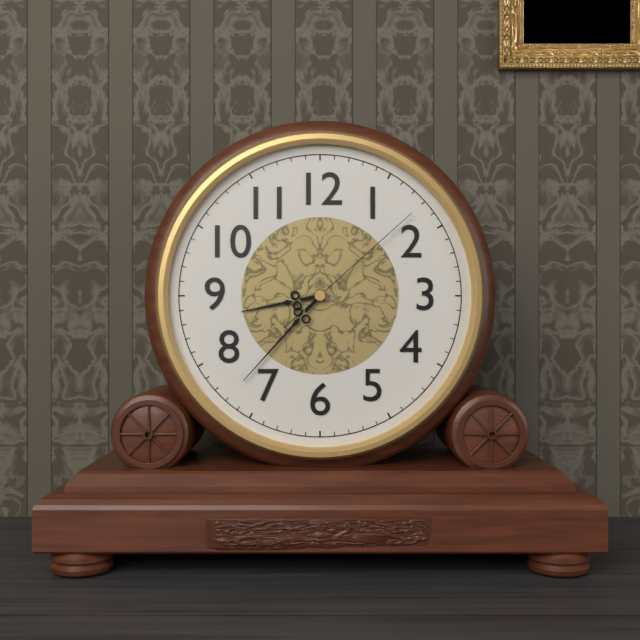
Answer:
8,37,08
